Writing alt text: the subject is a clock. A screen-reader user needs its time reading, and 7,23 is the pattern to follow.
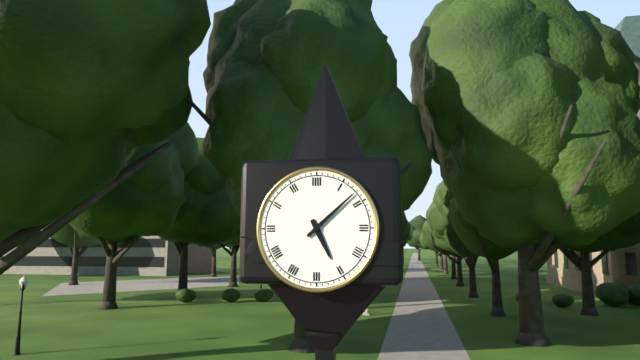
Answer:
5,08
